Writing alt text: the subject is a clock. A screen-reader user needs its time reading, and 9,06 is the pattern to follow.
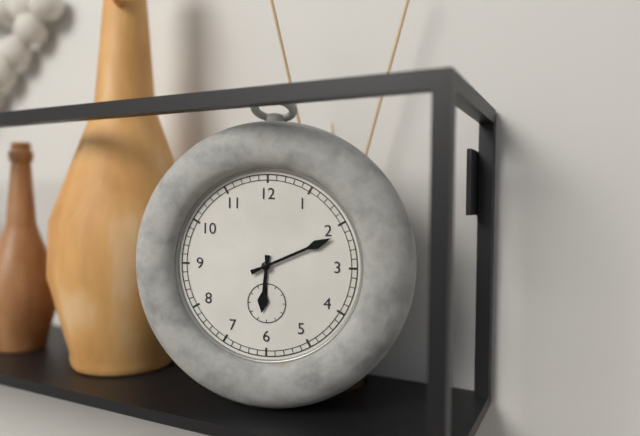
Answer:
6,11
